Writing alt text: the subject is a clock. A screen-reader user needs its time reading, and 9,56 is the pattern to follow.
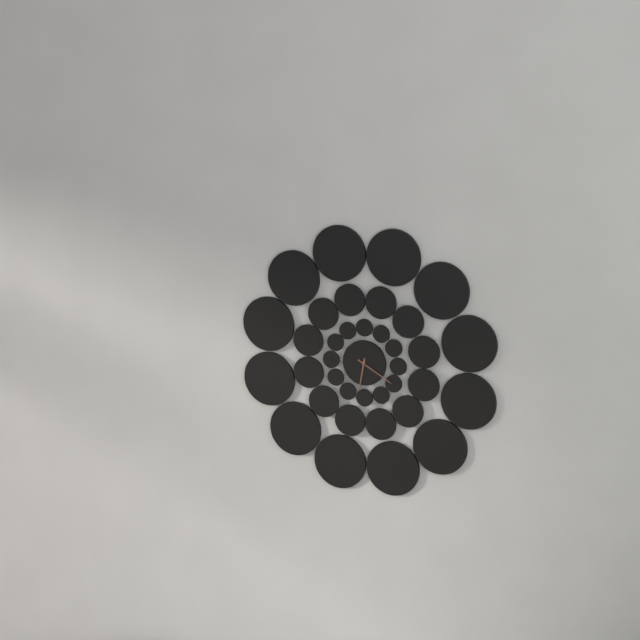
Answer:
6,20
